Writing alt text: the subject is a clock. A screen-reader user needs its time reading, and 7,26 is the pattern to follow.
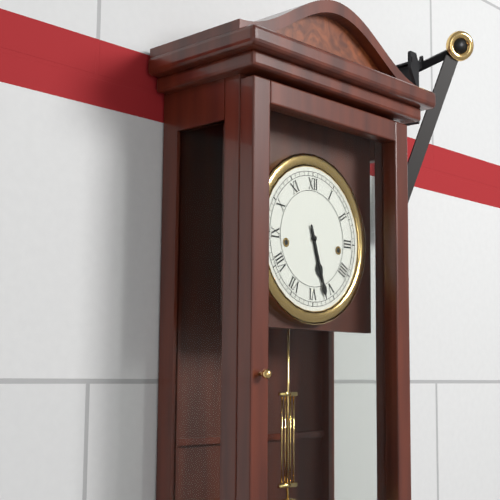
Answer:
5,27
